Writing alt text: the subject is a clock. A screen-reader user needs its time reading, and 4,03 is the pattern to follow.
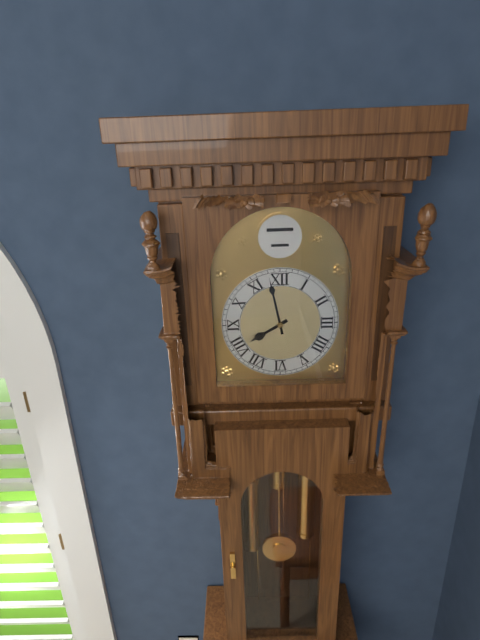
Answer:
7,58
